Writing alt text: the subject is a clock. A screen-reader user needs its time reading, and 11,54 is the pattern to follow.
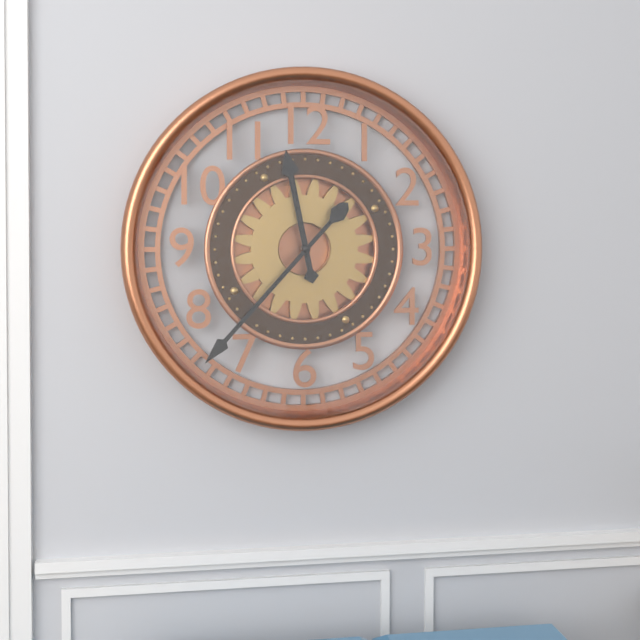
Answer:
11,37
